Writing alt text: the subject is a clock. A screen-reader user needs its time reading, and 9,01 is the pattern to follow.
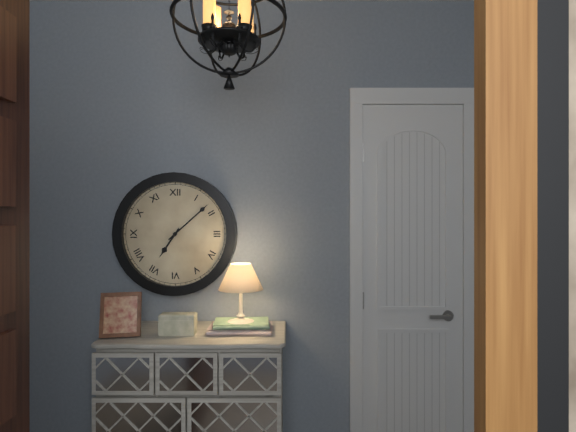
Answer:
7,08
